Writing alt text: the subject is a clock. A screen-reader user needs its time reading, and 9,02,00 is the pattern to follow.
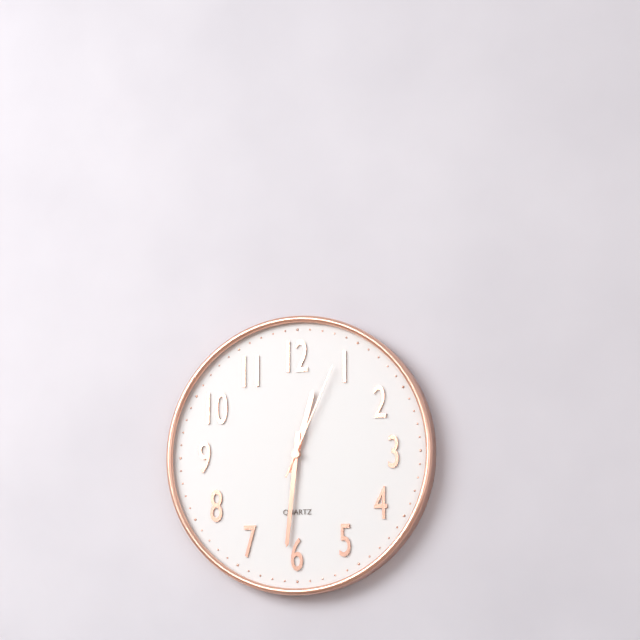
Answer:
12,31,04
